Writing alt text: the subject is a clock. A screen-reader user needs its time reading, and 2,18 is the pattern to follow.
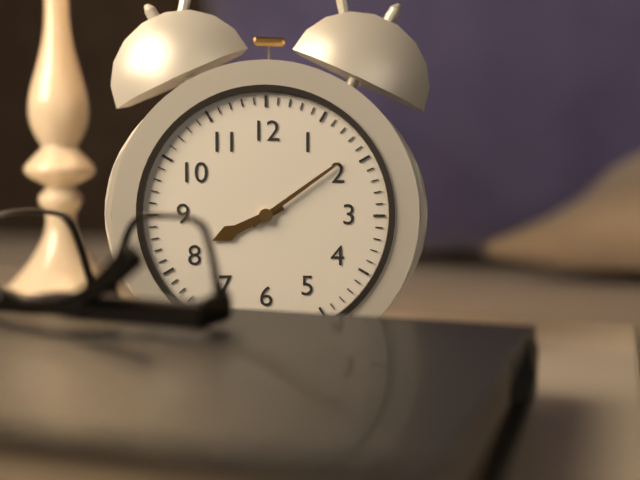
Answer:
8,09
